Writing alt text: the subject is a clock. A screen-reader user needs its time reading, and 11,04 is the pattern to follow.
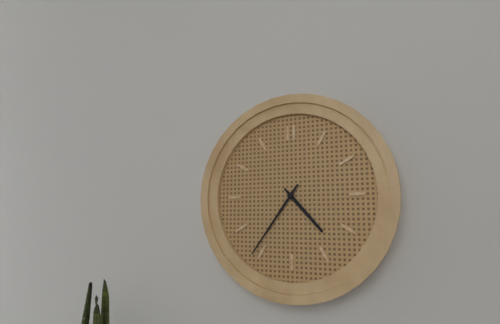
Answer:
4,36
